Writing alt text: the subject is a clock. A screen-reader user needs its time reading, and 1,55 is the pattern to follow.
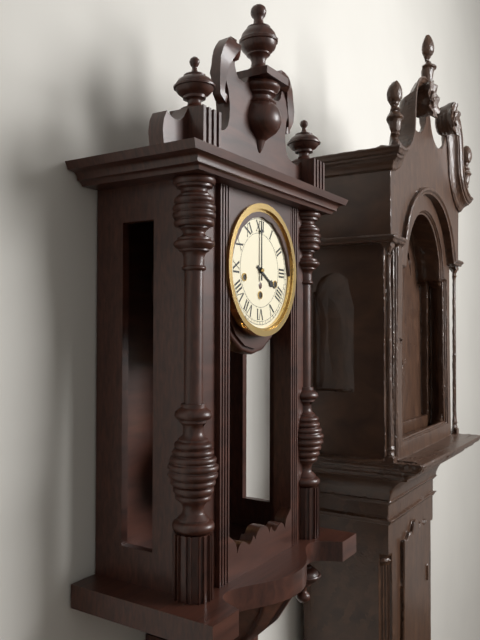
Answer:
4,00
